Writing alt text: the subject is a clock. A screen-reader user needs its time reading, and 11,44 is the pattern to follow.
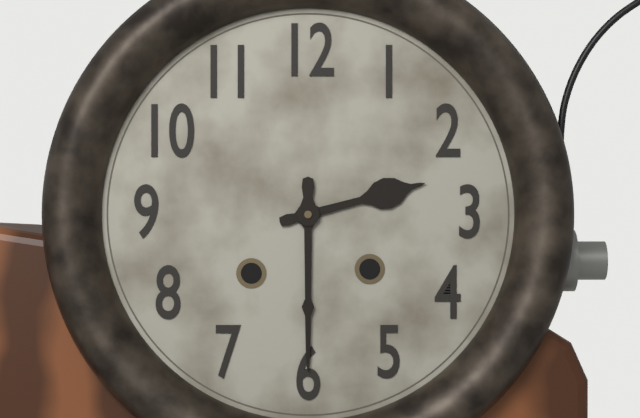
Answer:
2,30
